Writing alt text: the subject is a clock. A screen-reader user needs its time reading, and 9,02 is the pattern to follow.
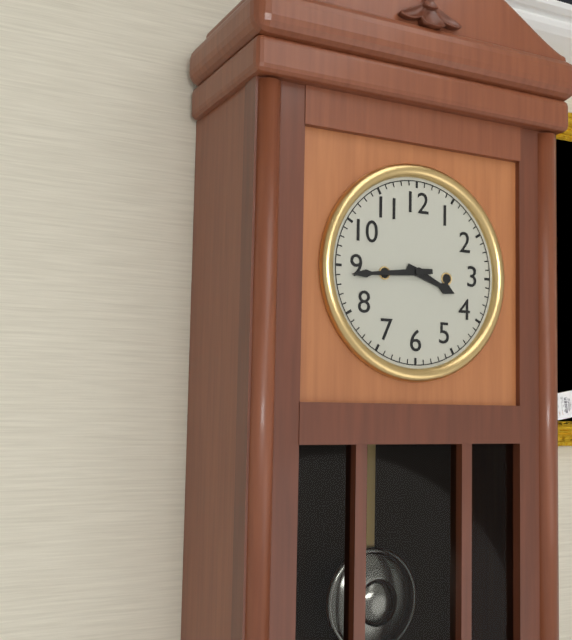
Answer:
3,44
